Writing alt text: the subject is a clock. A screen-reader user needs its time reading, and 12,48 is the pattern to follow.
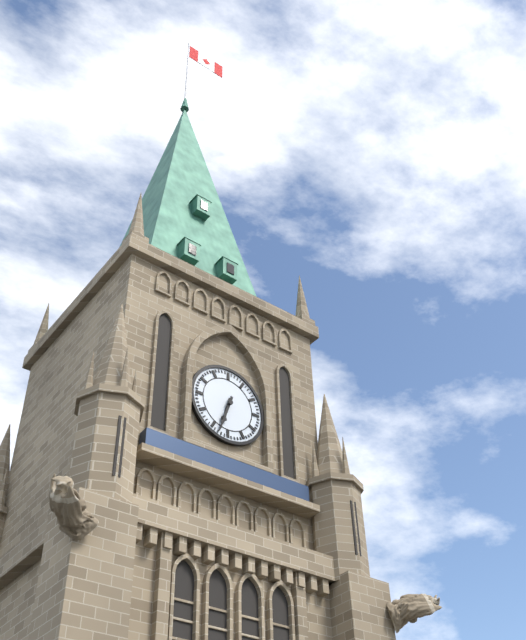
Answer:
6,33
